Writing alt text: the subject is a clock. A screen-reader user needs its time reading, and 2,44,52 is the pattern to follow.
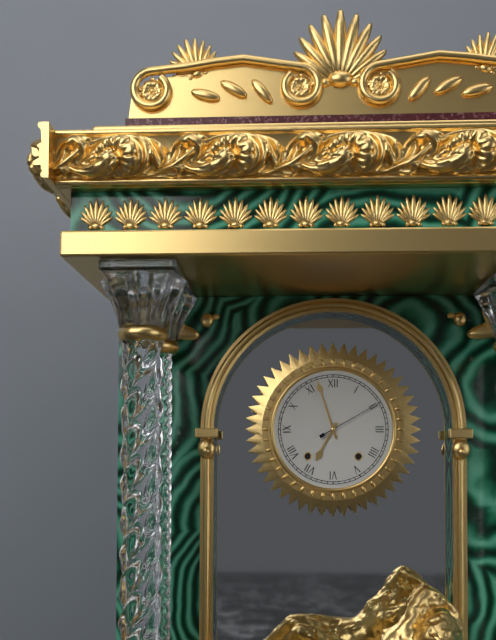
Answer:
6,57,10
